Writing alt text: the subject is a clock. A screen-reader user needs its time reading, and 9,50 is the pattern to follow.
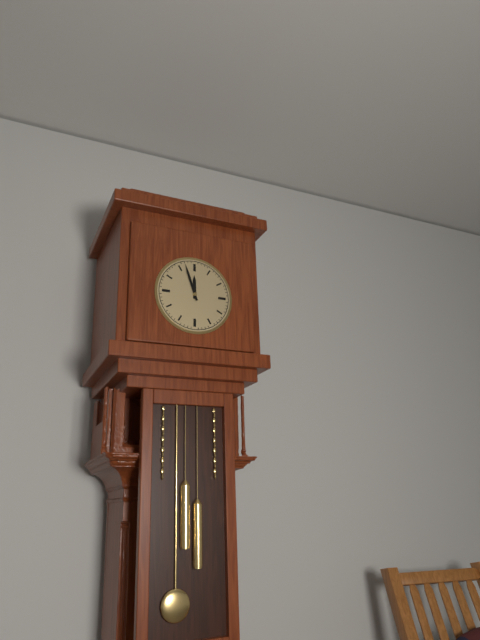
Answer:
11,57
